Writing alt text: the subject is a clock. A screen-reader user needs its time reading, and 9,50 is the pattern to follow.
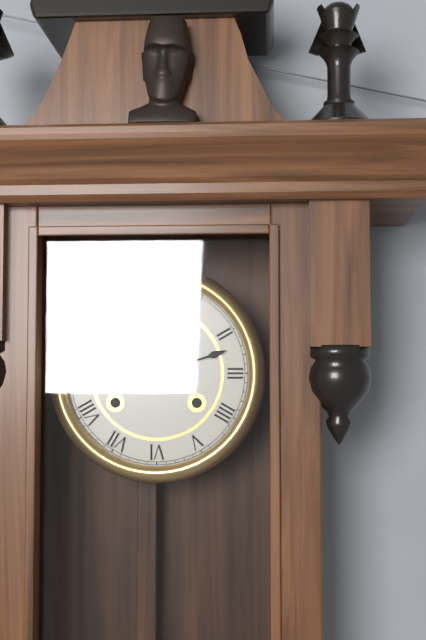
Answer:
11,12
